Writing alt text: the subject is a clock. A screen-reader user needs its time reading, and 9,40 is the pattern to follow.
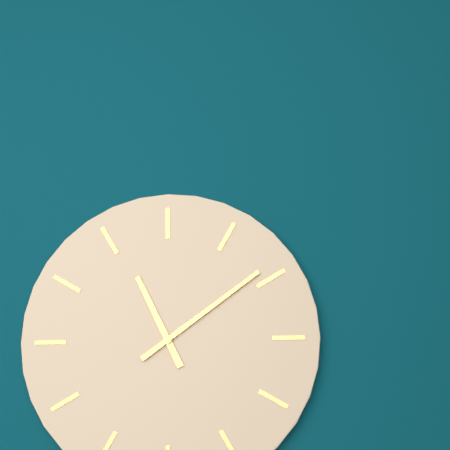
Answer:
11,09
